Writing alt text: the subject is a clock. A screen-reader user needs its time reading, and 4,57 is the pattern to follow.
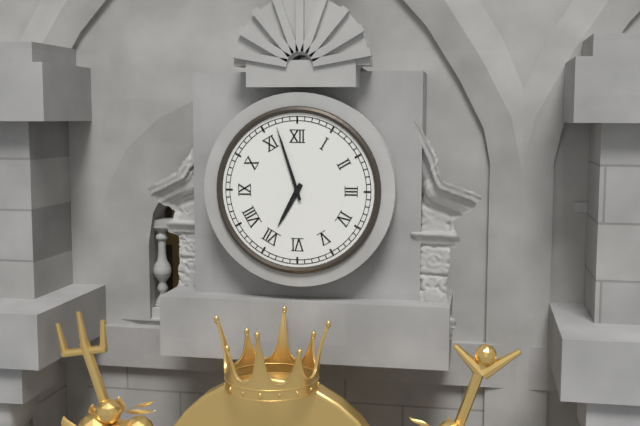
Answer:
6,57
